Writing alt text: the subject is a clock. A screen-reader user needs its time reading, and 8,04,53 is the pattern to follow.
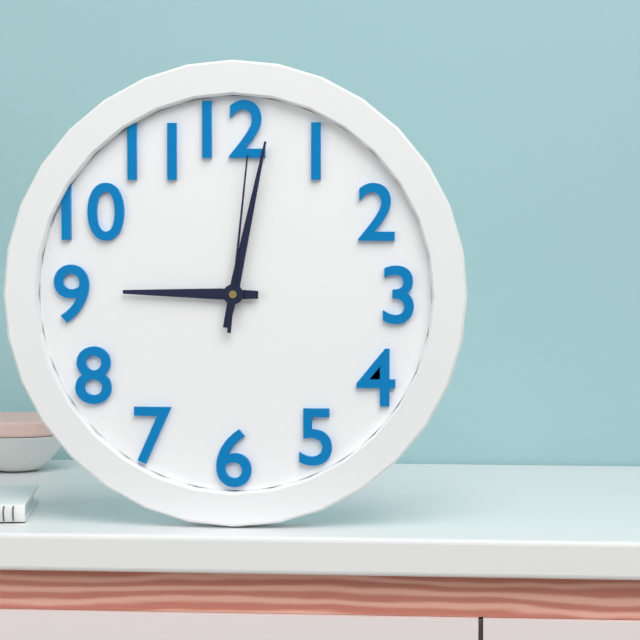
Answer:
9,02,01
